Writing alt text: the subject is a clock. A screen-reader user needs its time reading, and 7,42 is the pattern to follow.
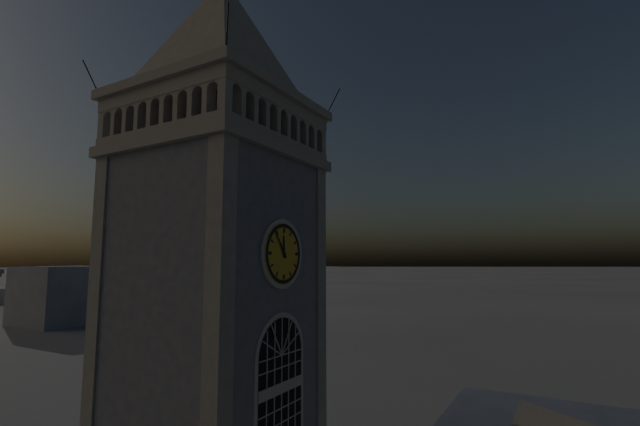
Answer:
11,54
